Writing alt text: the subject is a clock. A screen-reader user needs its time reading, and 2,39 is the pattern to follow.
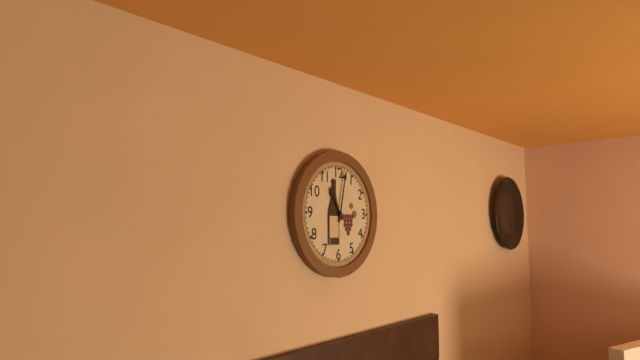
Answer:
11,02
